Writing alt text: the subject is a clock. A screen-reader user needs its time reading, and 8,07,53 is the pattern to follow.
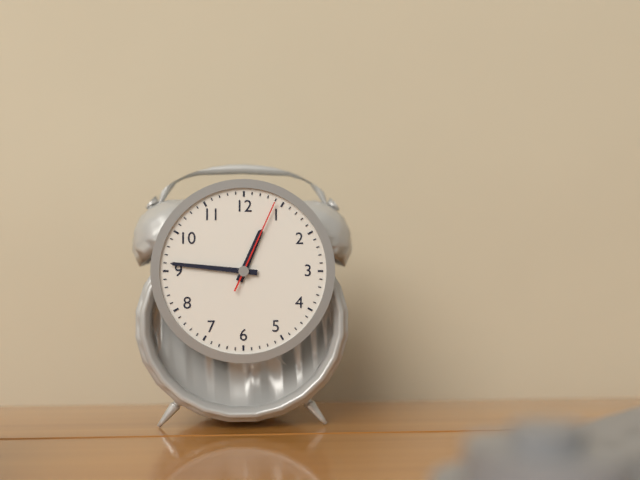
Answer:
12,46,04
